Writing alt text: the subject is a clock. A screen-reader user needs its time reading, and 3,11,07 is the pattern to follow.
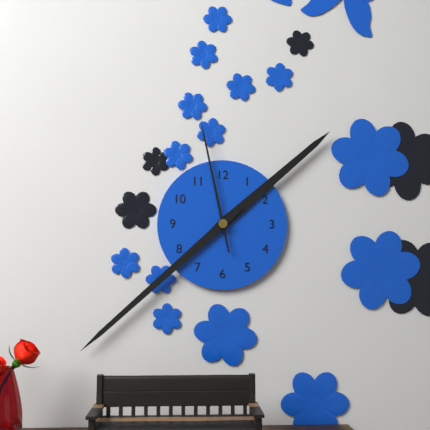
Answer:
1,38,58
